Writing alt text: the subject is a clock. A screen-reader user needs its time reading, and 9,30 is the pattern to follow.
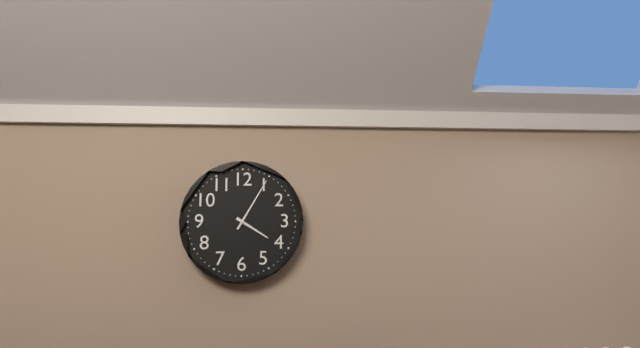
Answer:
4,05
